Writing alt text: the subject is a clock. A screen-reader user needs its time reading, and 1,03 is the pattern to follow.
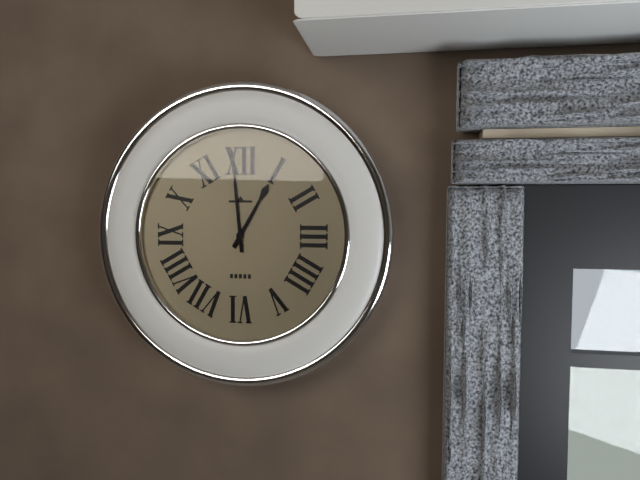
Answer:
12,59
